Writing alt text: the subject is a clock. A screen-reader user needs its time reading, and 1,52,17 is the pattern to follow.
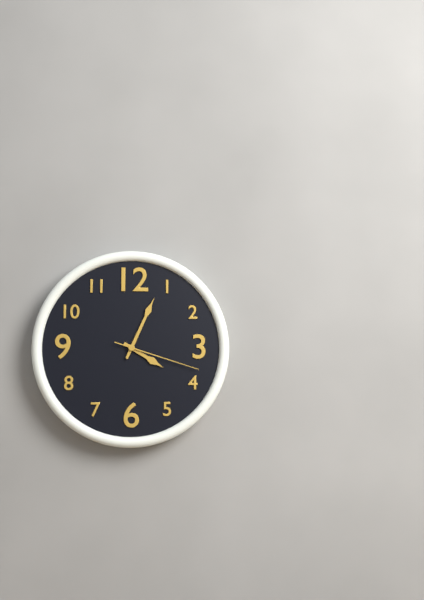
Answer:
4,04,18
